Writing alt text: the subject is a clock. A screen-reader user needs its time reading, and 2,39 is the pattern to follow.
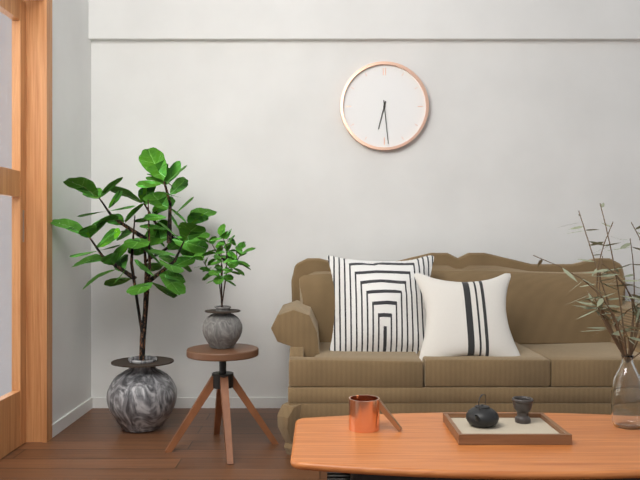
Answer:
6,29
